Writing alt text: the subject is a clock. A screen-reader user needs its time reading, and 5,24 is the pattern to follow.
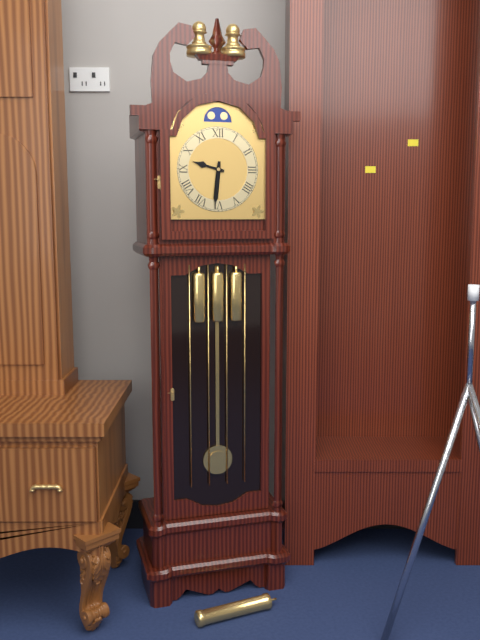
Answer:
9,31
